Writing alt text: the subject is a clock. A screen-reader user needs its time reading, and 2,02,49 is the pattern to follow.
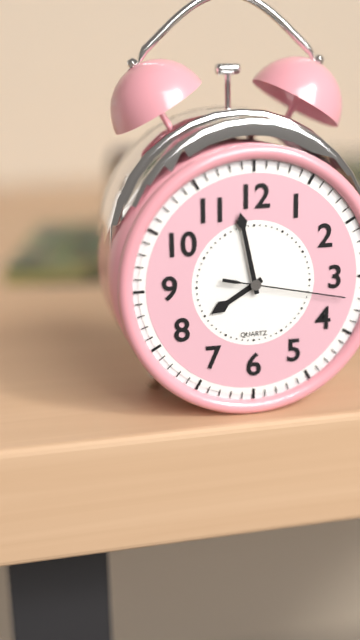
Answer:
7,58,17
